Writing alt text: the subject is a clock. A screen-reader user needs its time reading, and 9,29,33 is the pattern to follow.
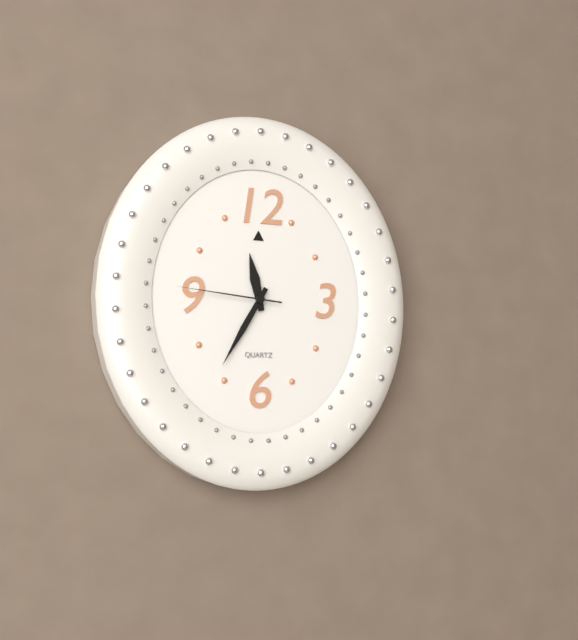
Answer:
11,35,46
